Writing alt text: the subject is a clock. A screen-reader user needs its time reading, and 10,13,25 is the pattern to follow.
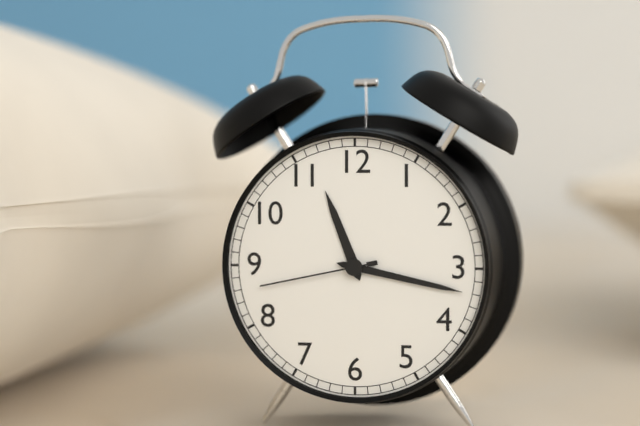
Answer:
11,17,43
